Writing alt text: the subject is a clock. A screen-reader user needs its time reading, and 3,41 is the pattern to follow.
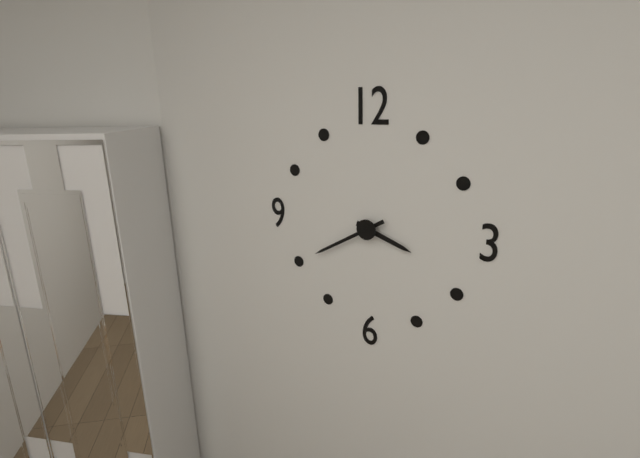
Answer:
3,40
